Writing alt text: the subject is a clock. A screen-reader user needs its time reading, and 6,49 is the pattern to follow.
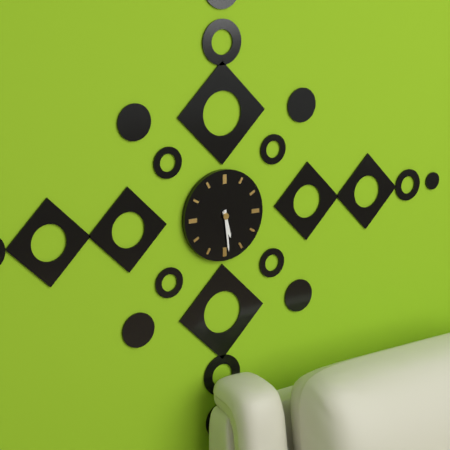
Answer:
5,29
